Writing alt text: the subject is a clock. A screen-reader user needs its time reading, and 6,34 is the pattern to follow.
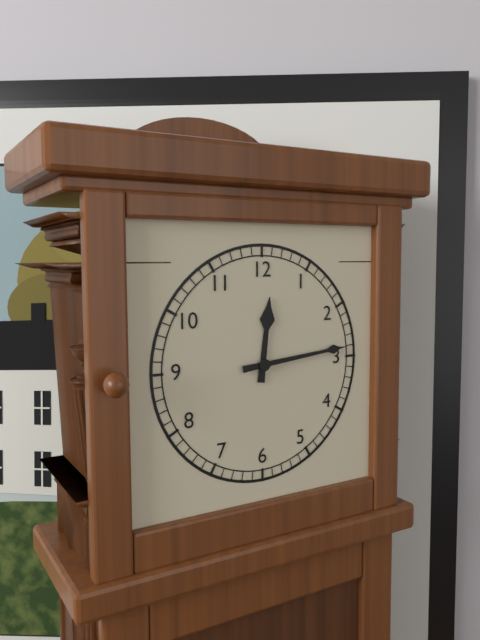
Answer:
12,14
